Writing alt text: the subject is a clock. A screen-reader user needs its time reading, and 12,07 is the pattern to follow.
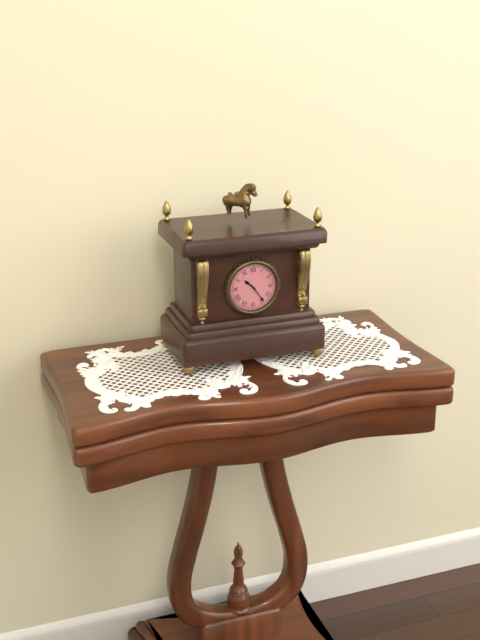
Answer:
10,24
